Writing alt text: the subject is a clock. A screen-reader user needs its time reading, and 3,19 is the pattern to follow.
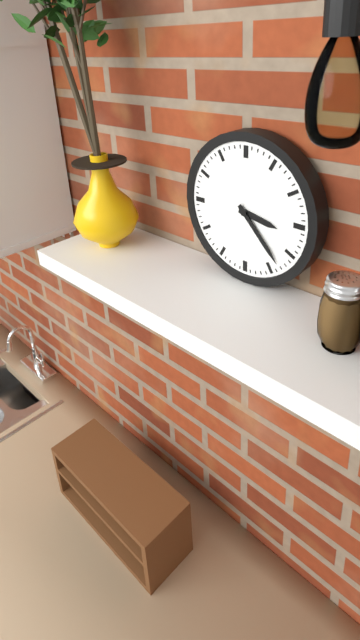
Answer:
3,23
